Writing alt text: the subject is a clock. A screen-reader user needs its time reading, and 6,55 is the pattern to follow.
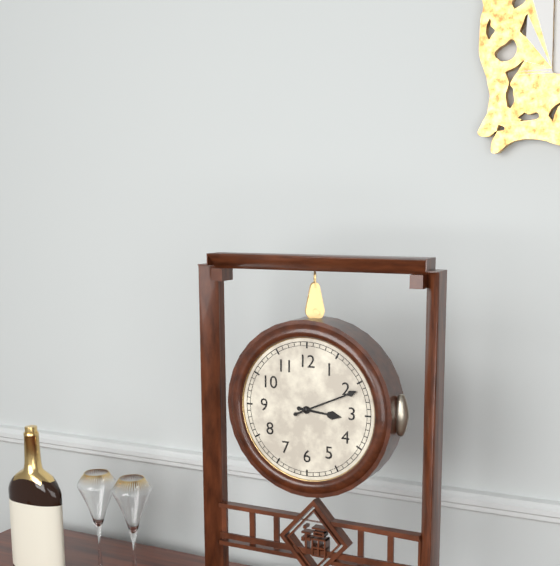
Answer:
3,11
